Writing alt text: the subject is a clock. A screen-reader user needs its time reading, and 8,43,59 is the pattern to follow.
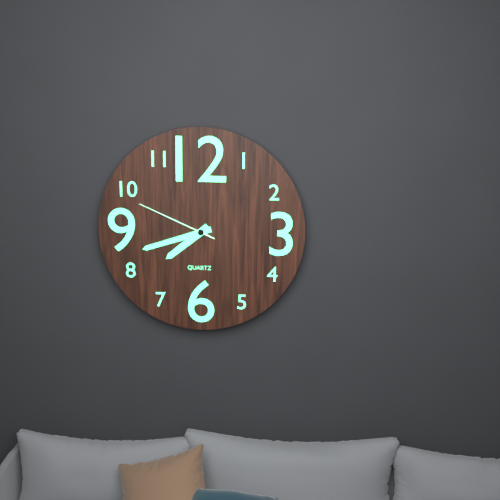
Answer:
7,42,49
